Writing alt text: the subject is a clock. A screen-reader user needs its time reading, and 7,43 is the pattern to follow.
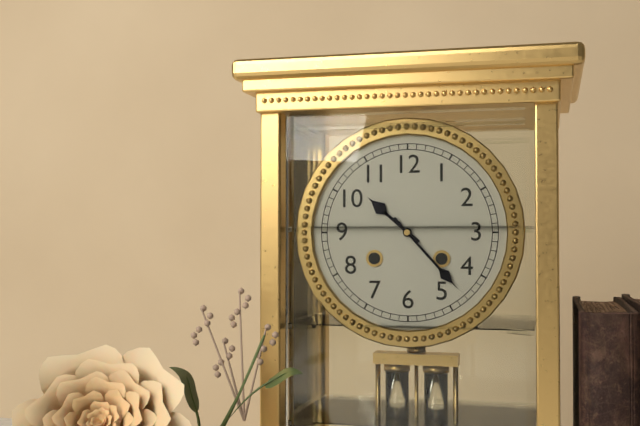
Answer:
10,23
